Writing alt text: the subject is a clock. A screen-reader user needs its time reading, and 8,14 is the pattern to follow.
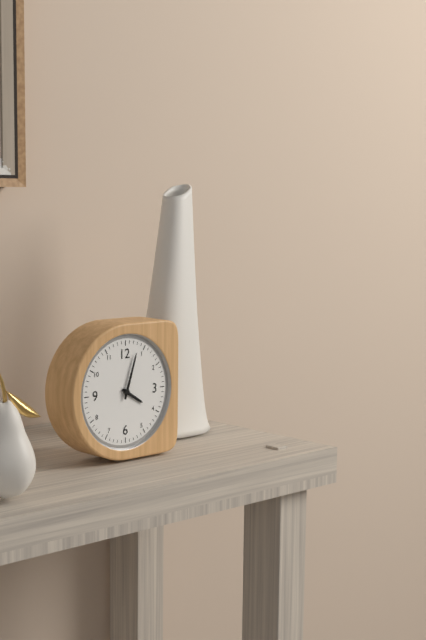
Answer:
4,03
